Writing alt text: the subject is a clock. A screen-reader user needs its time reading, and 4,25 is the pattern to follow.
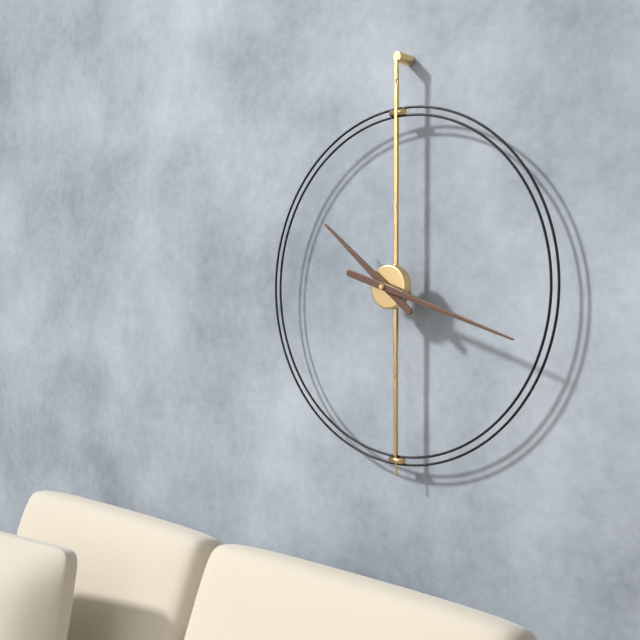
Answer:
10,18
